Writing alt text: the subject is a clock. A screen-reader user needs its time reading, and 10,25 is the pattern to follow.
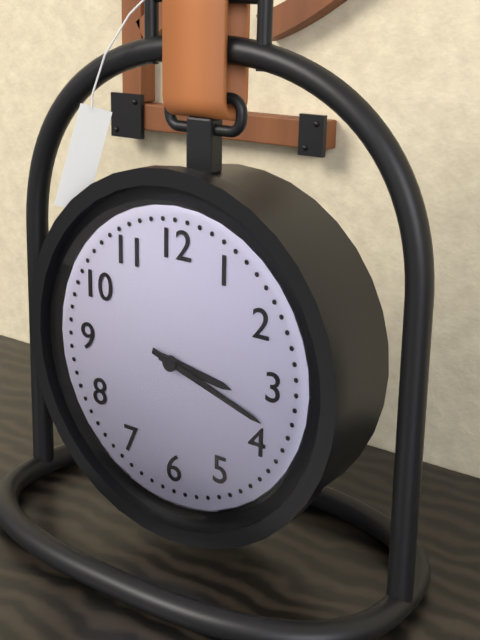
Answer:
3,18
